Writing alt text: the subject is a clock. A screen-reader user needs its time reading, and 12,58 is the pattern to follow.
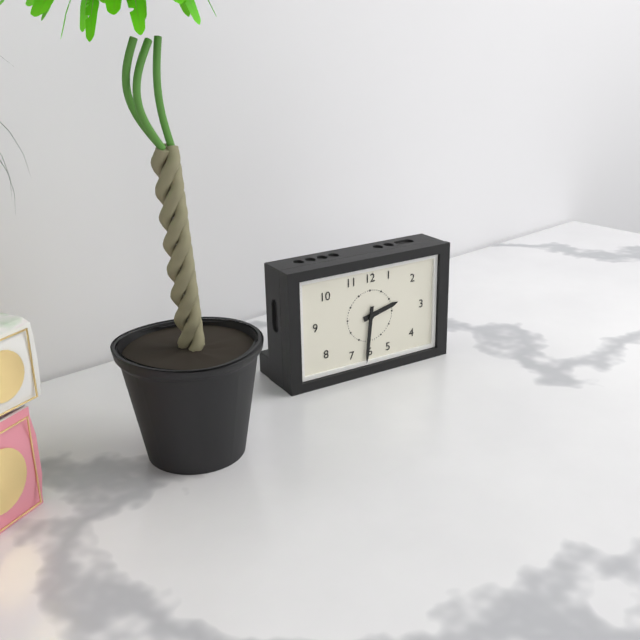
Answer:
2,31
